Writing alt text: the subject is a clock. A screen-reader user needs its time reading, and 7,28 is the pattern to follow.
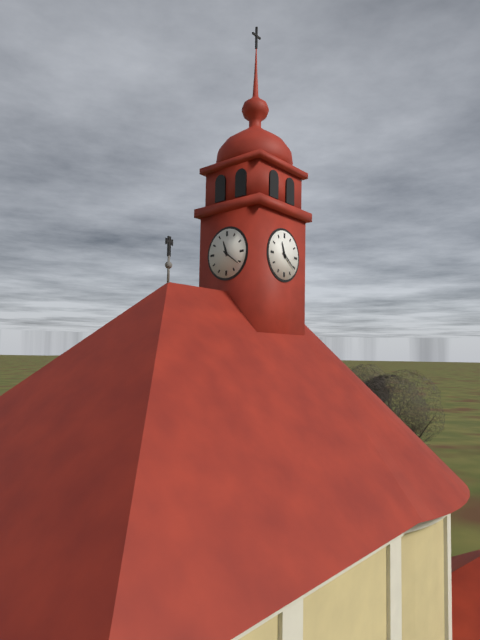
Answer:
11,21
